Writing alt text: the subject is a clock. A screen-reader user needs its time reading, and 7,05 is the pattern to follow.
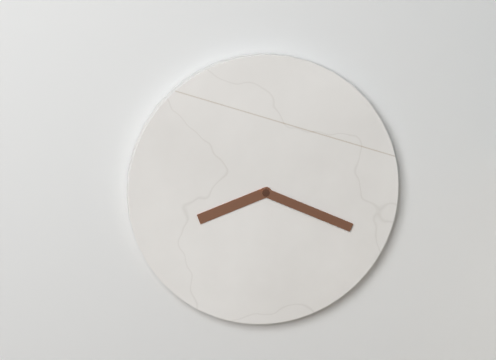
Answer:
8,19
